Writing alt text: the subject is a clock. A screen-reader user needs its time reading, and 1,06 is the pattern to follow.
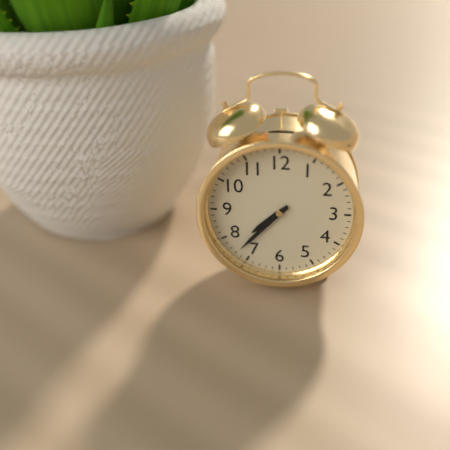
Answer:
7,37
